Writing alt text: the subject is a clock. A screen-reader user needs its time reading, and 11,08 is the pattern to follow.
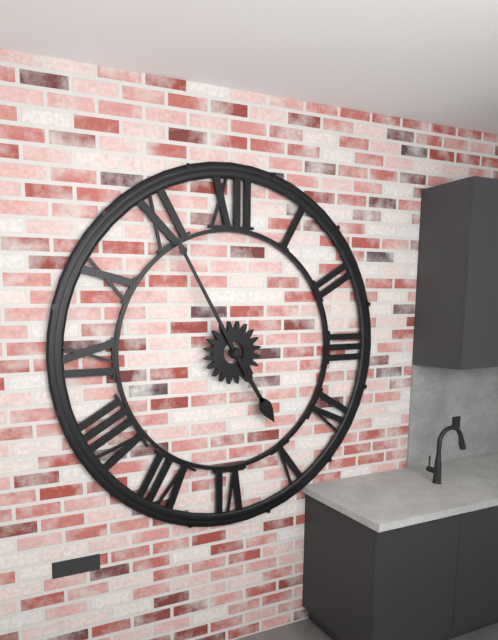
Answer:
4,55
